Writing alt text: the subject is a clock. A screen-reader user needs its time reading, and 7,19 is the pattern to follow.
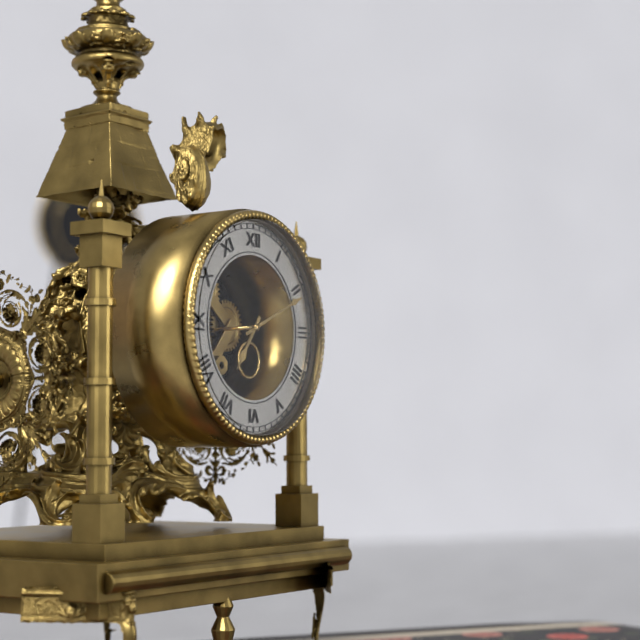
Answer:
7,11
